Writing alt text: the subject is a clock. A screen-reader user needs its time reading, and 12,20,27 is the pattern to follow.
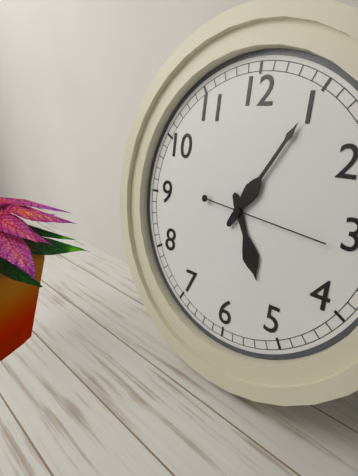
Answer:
5,05,16
